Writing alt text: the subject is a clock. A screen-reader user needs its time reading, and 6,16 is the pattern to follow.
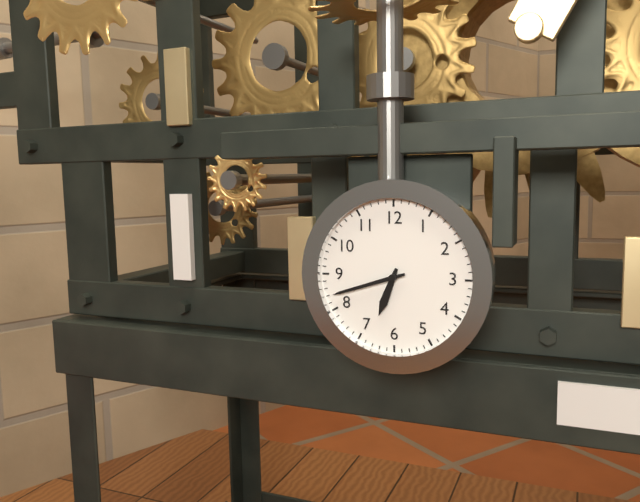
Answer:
6,42
